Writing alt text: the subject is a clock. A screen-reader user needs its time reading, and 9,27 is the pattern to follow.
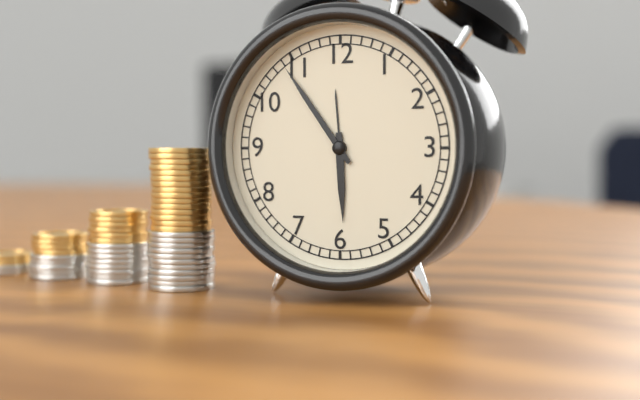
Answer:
5,54
